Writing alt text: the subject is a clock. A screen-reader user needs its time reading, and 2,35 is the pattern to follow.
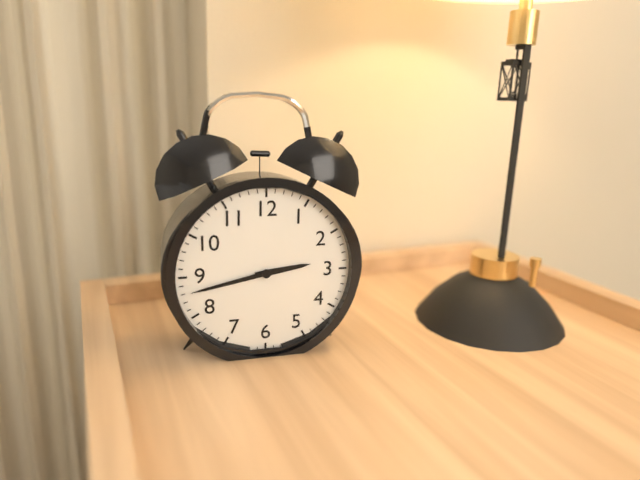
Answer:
2,43
